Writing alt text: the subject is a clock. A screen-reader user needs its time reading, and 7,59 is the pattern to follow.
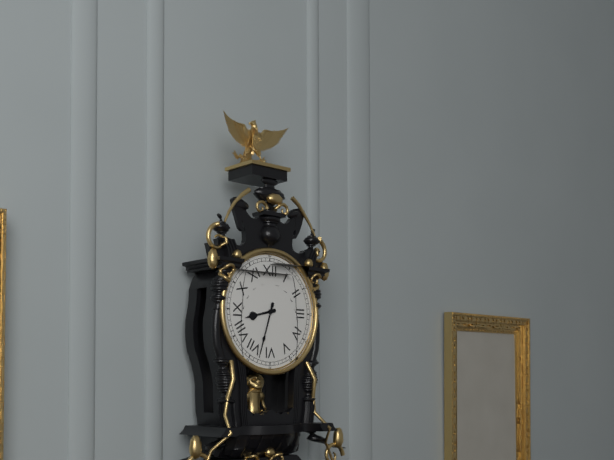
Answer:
8,33
